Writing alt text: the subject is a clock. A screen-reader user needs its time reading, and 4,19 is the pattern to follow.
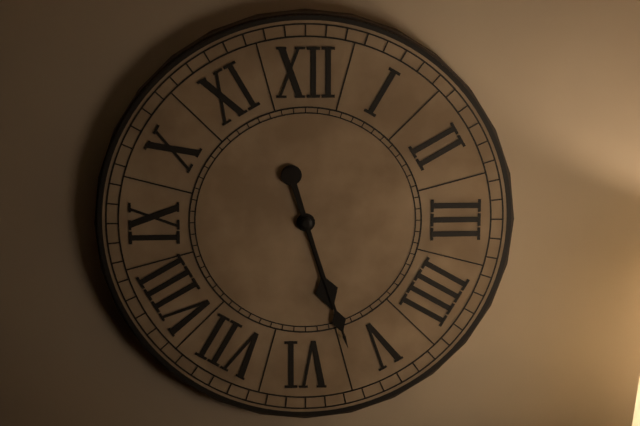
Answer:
5,27
